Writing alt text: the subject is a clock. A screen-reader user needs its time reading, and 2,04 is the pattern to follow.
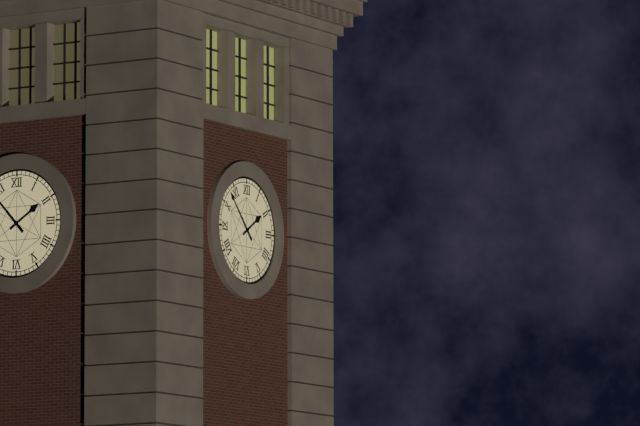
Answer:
1,53
